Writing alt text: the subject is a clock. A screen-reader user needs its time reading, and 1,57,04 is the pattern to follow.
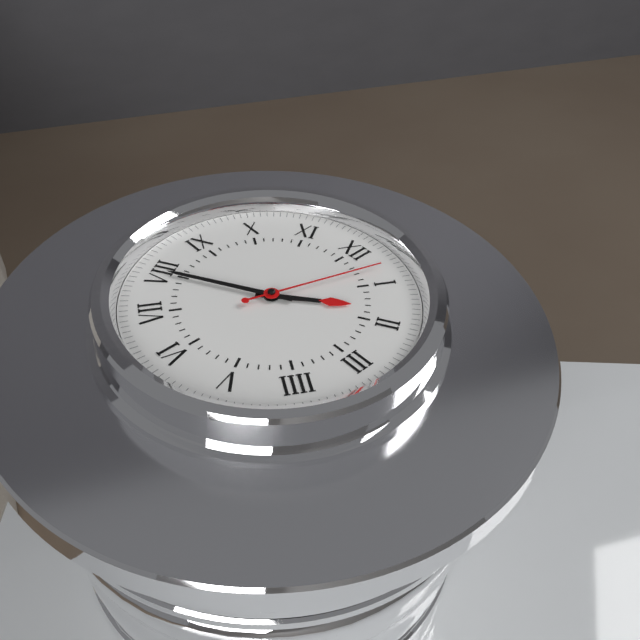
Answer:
1,40,03
